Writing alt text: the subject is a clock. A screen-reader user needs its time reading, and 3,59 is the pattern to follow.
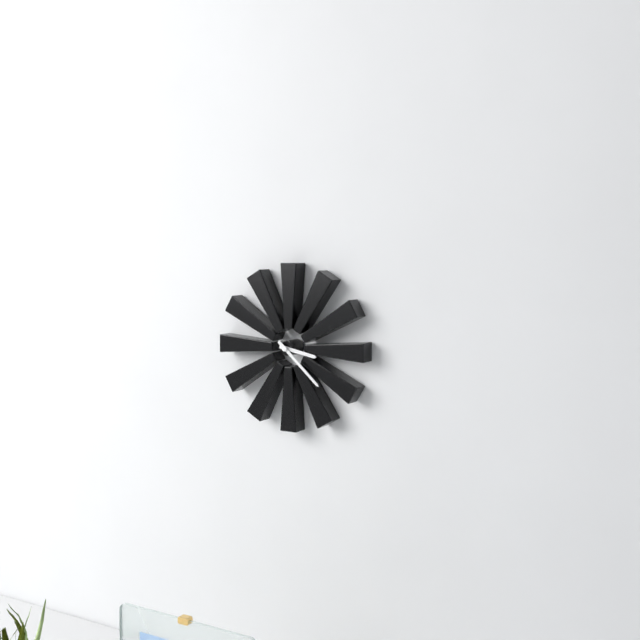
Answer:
3,22
